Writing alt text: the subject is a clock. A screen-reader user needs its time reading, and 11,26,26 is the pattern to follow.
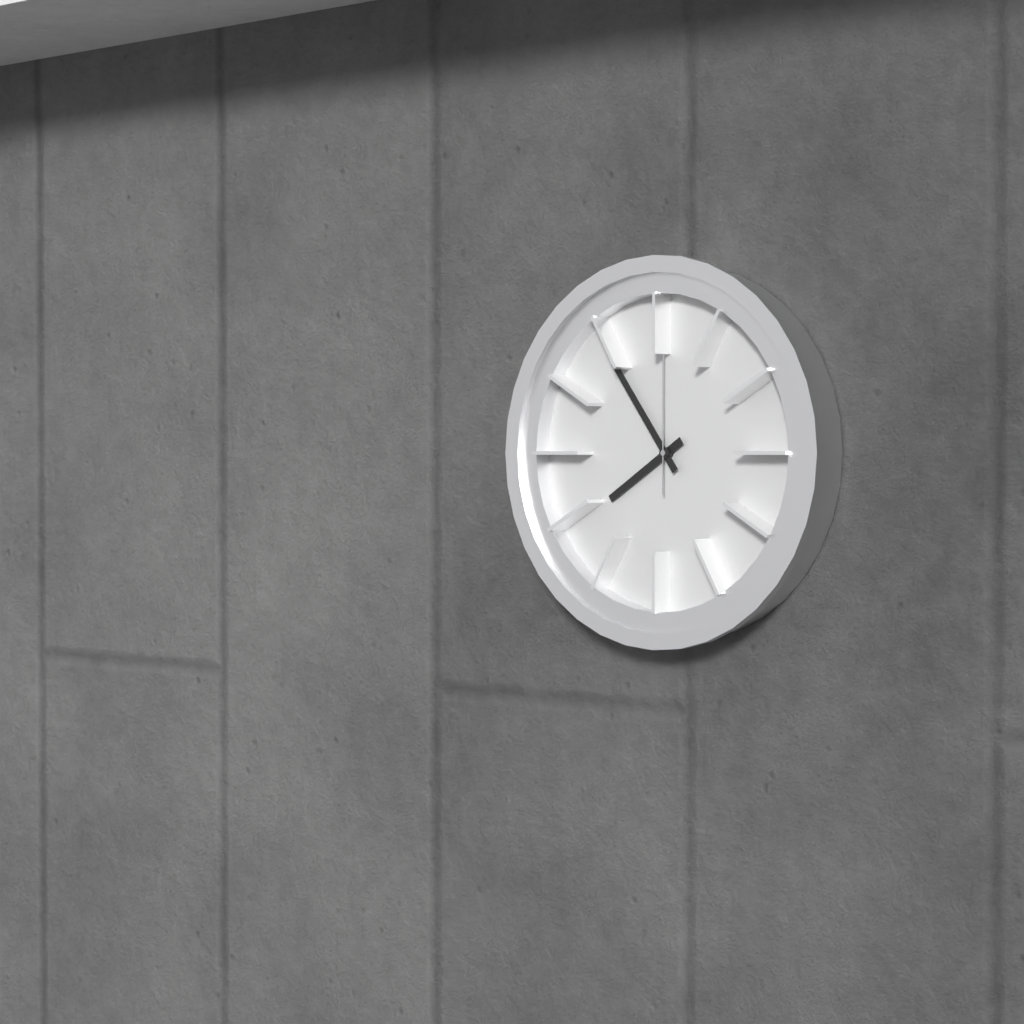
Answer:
7,54,00
